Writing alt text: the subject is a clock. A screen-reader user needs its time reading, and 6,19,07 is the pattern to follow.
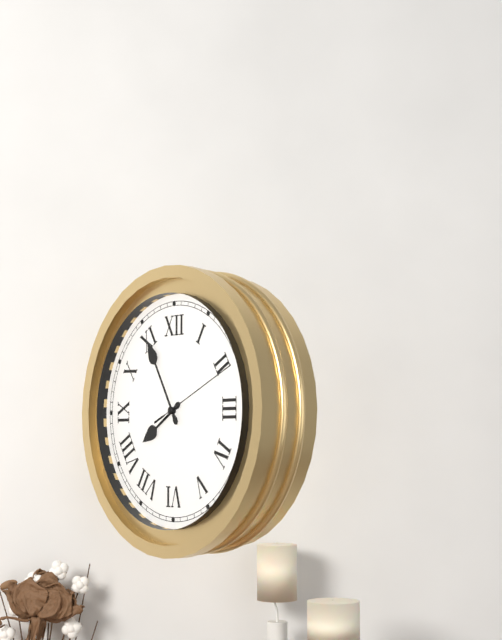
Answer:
7,55,11
